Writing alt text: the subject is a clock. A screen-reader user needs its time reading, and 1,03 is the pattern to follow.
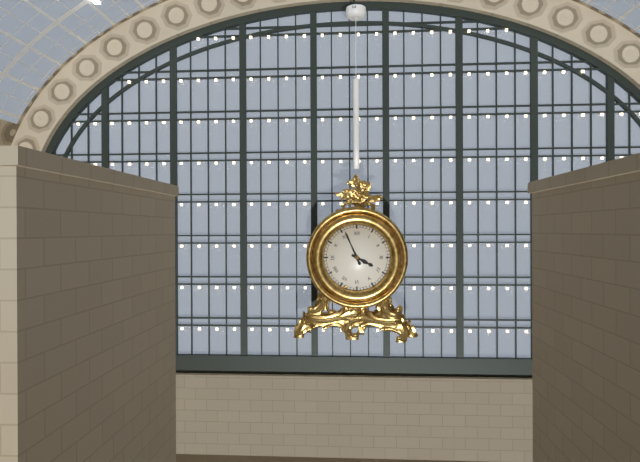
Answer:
3,56
